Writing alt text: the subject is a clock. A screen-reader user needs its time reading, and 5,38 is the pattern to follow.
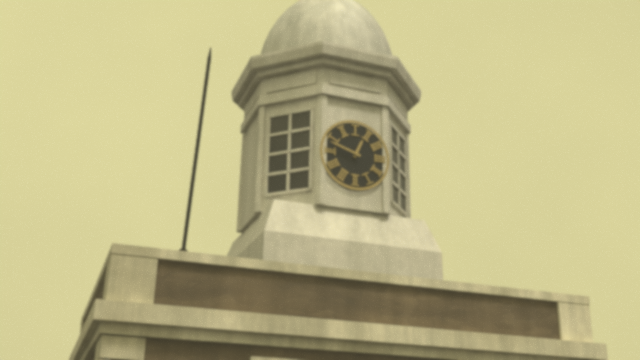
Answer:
12,48
